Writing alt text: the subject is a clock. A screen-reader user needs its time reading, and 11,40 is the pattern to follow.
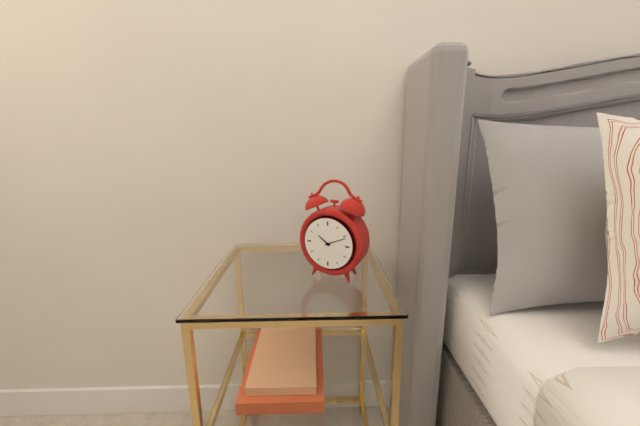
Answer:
10,11
